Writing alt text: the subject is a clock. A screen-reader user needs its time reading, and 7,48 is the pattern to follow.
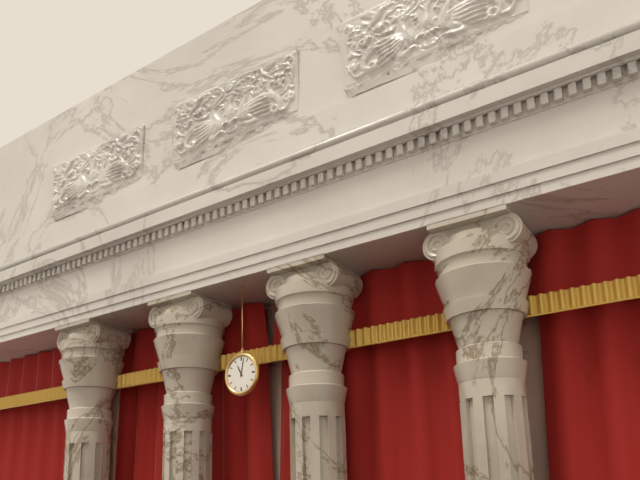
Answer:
11,02
